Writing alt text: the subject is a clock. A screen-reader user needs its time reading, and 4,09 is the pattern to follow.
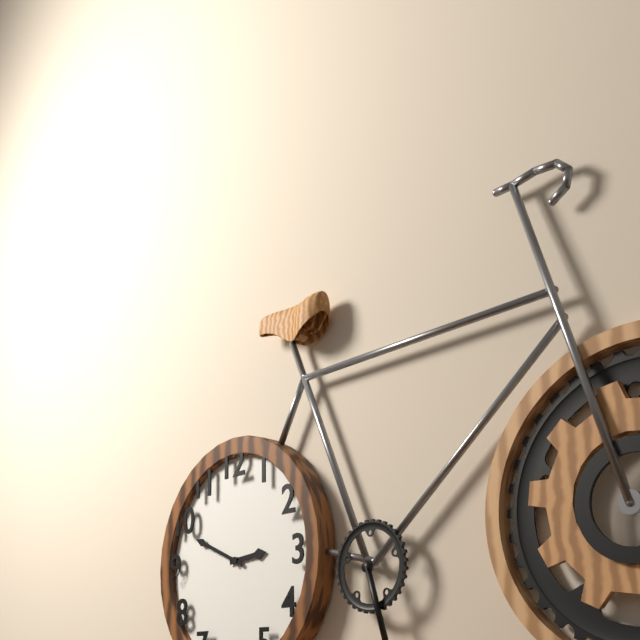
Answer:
2,49
